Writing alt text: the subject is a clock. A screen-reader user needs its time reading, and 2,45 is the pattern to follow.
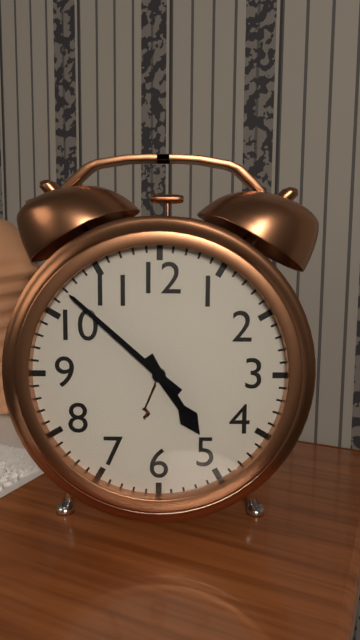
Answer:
4,52
